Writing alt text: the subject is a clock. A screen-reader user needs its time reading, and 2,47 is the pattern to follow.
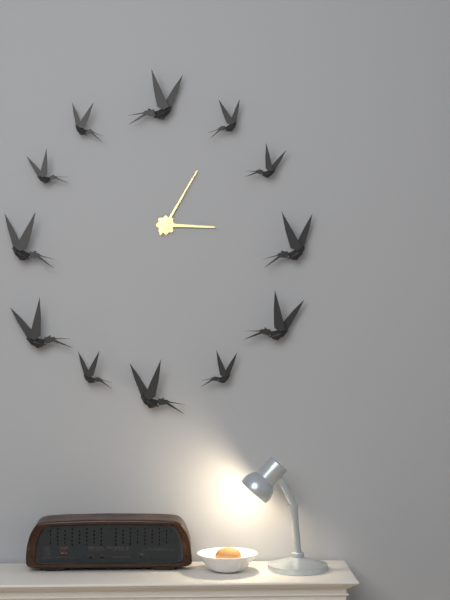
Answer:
3,05
